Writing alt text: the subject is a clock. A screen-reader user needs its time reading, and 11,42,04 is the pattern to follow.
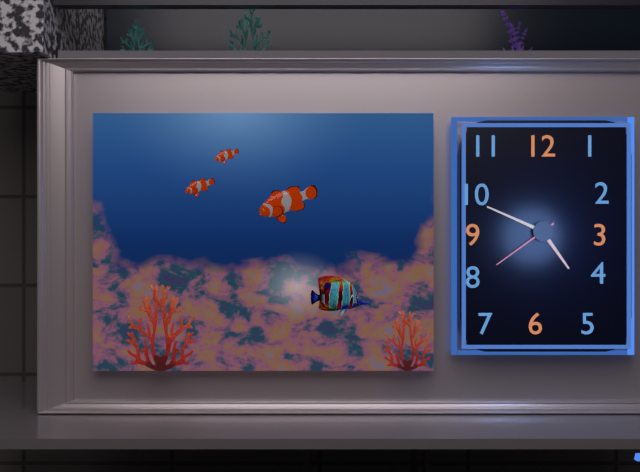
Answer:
4,49,39
